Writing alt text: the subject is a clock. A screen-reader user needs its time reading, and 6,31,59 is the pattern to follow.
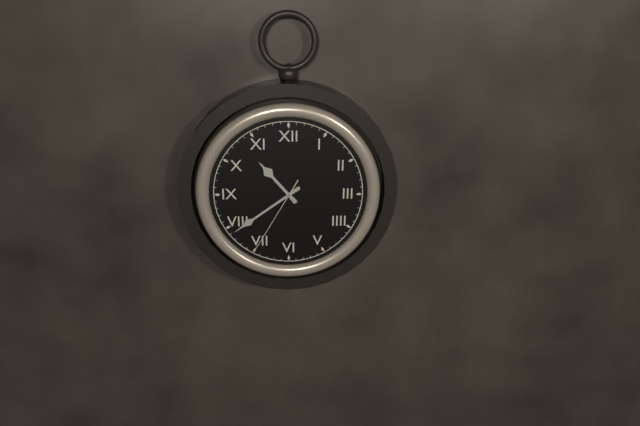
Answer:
10,39,35
